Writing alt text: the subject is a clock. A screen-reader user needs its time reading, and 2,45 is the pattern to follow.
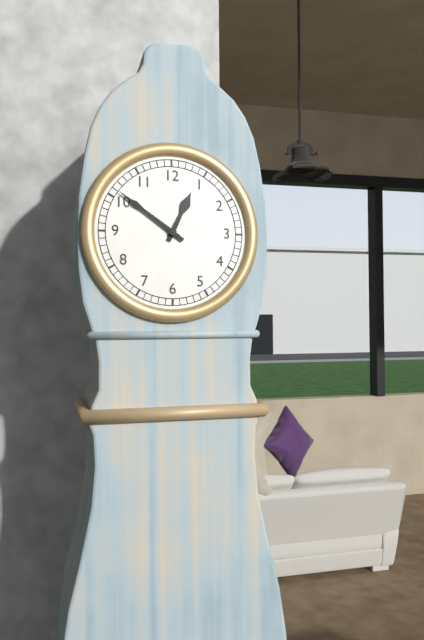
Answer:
12,51
